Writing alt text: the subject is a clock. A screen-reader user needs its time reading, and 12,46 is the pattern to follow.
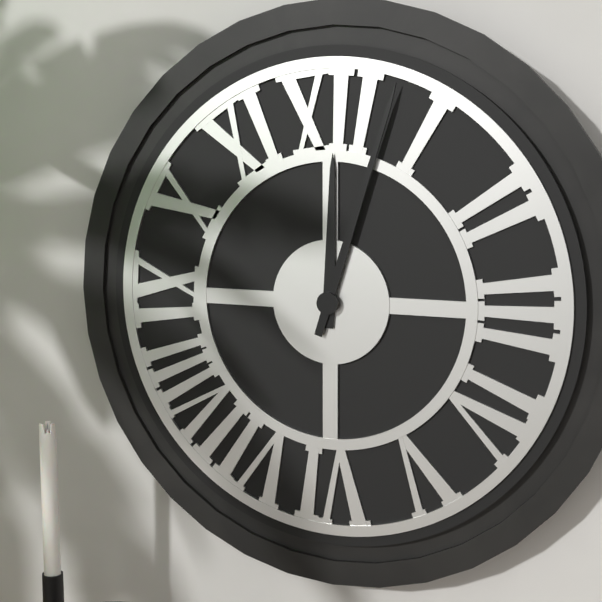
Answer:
12,03
